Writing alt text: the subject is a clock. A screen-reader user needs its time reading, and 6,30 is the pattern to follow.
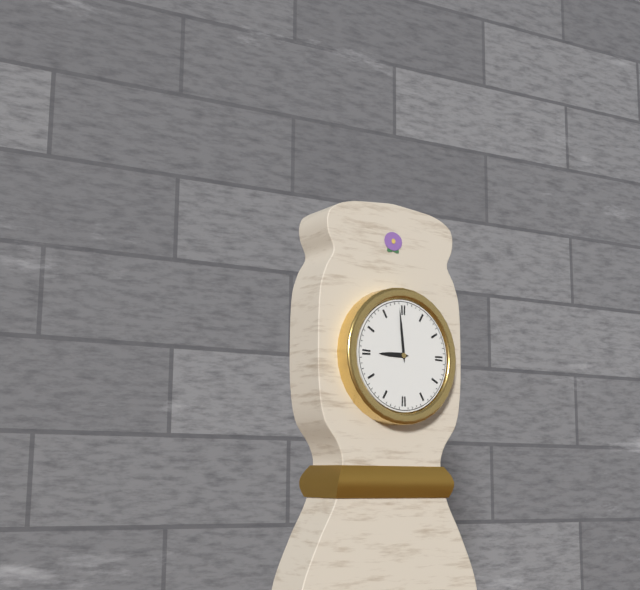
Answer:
8,59
